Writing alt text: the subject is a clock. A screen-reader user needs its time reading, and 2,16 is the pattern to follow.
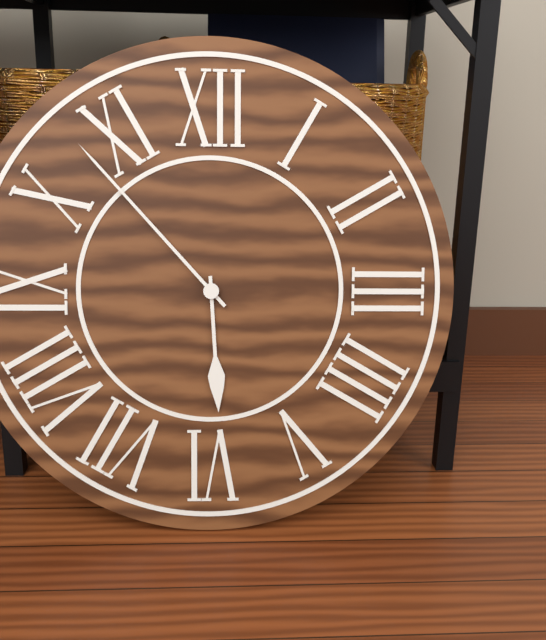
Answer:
5,53
